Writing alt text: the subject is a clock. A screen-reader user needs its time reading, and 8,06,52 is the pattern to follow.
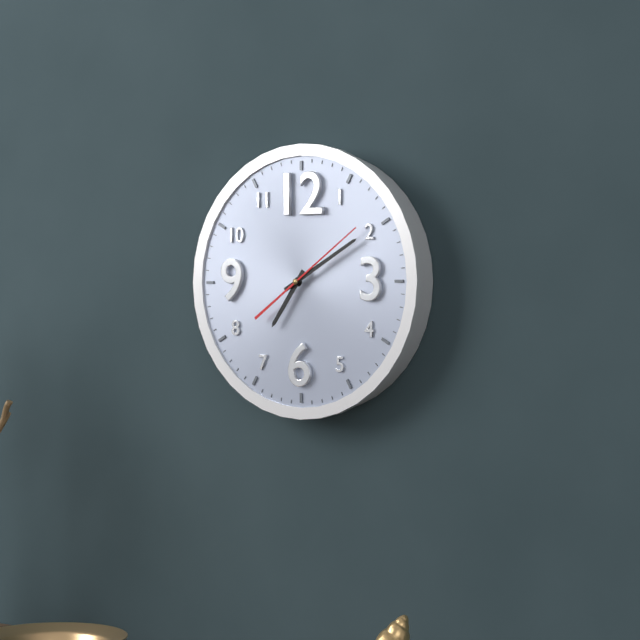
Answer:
7,10,09
